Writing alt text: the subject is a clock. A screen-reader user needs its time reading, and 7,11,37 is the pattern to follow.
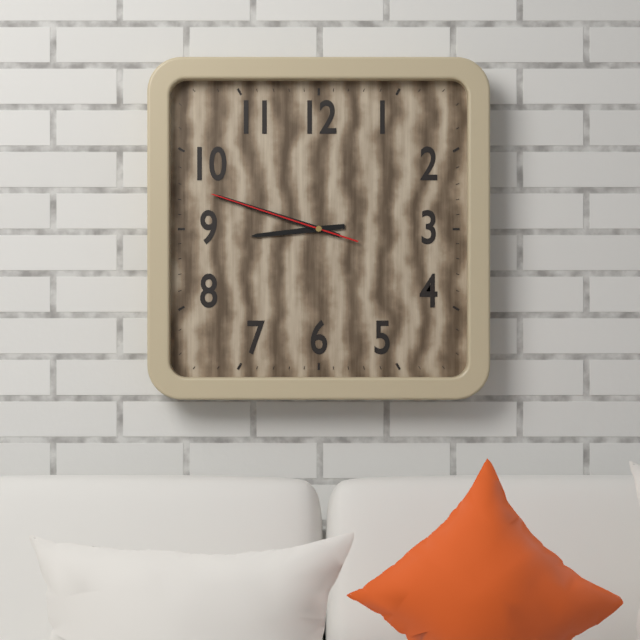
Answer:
8,48,48
